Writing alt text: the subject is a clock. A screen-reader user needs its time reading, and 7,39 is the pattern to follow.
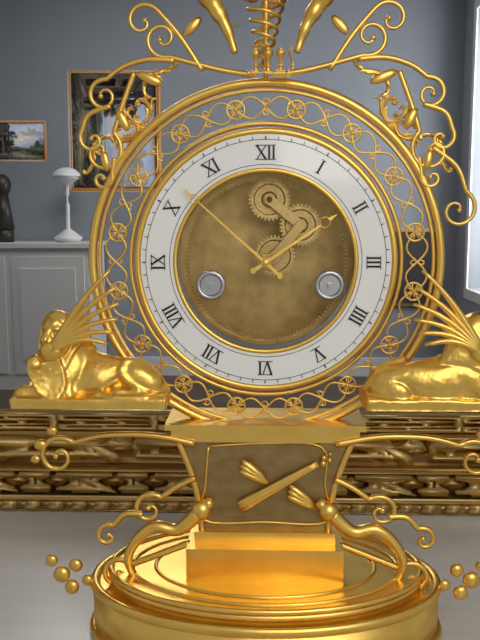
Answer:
1,52
